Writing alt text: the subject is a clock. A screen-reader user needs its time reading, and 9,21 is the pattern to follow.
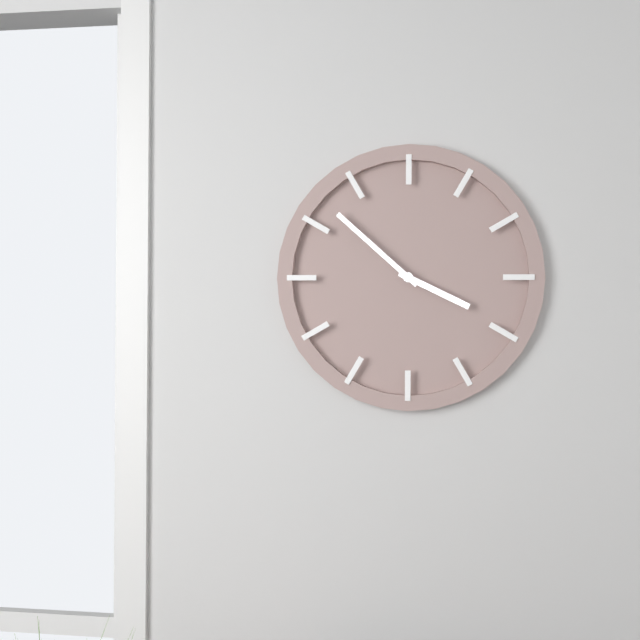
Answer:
3,52
